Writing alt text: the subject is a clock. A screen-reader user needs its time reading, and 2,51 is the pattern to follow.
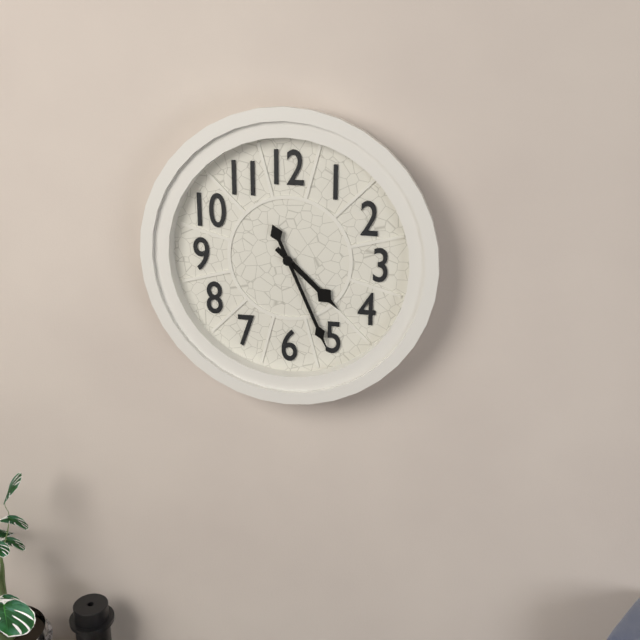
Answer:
4,26
